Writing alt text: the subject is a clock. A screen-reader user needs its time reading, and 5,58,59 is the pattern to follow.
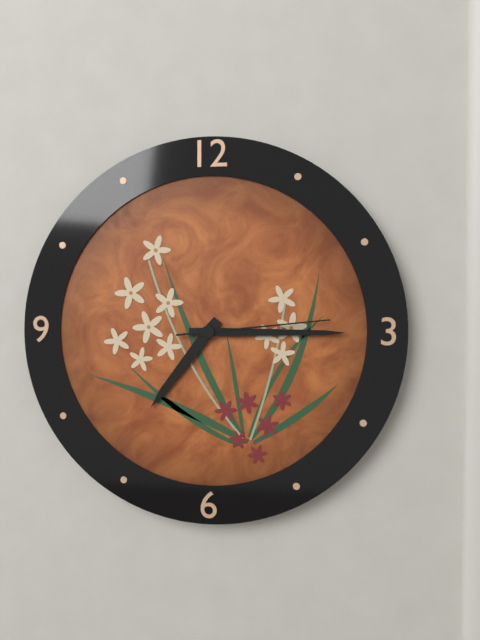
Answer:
7,15,14
